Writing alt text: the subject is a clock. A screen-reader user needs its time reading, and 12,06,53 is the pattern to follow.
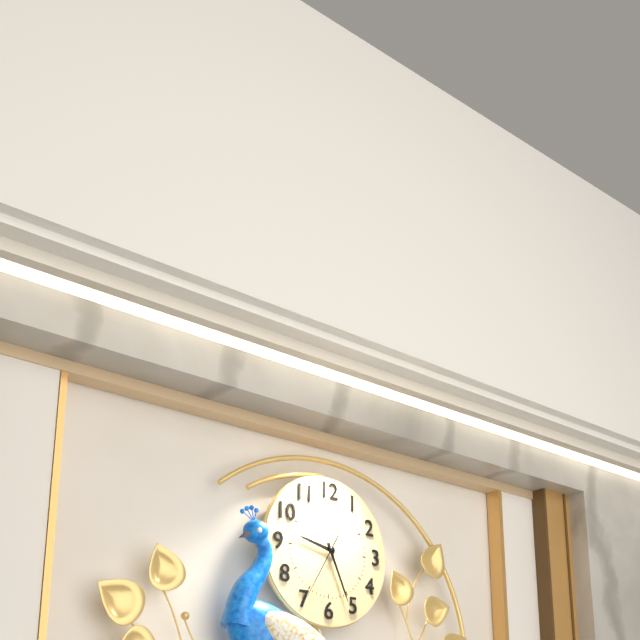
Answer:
9,26,35
